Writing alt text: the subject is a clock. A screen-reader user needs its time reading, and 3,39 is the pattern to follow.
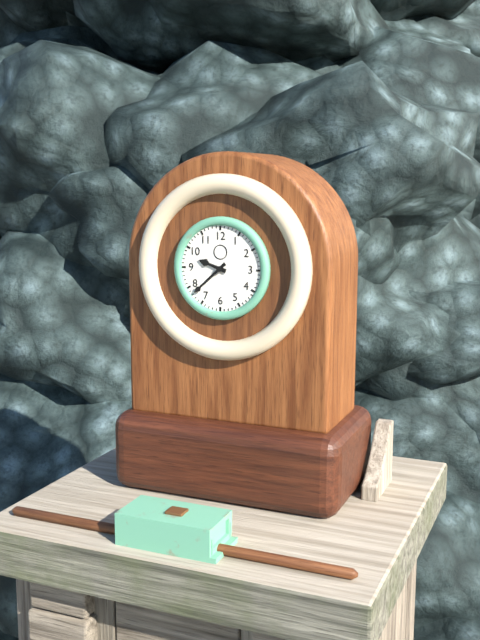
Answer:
9,38
